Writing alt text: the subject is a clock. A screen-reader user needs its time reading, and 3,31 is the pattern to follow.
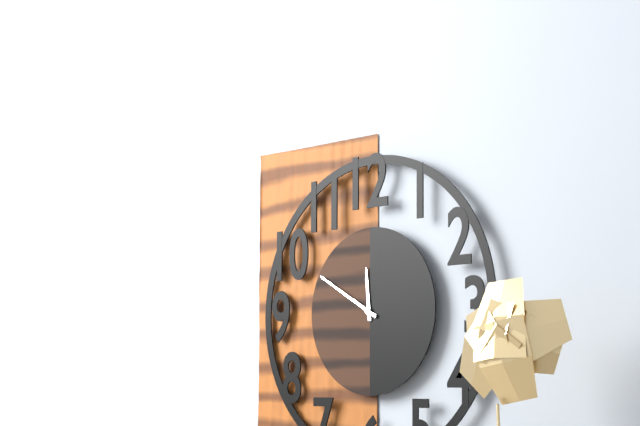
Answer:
11,50
